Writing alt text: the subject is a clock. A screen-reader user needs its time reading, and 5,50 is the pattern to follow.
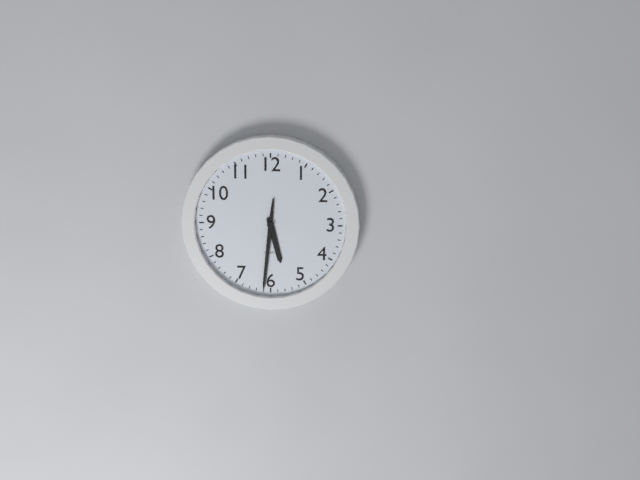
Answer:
5,31
